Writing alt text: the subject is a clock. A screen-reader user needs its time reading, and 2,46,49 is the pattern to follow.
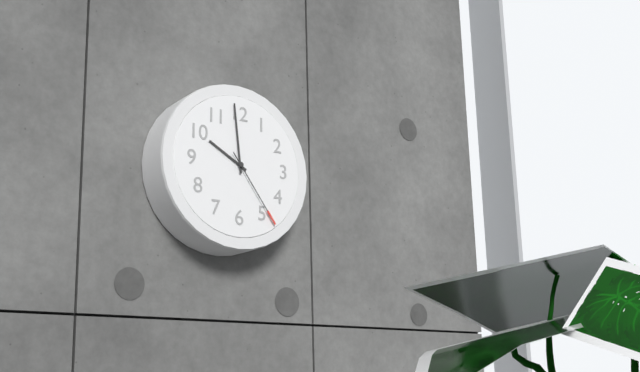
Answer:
9,59,24
